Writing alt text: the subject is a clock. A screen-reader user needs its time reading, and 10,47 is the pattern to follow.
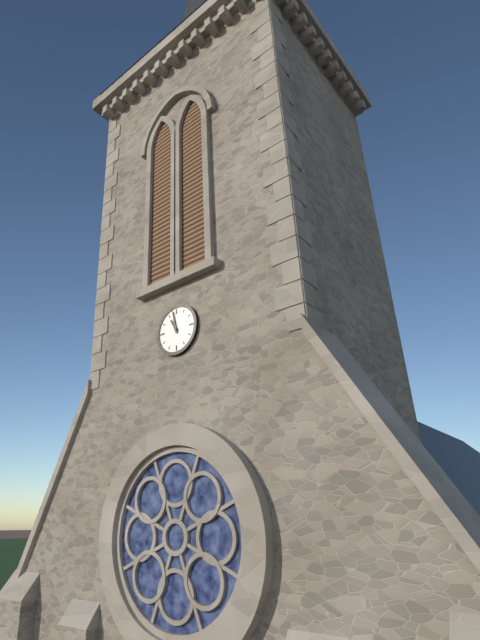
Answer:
10,58
